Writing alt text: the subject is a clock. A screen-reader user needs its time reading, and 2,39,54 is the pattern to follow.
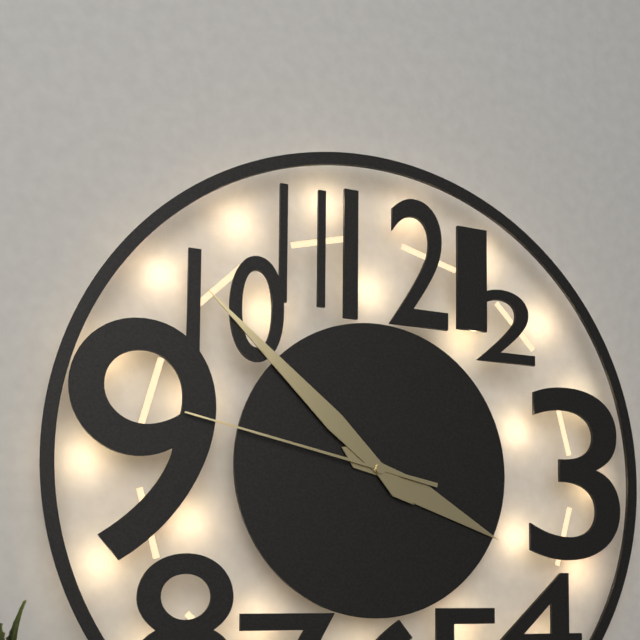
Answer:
3,52,47
